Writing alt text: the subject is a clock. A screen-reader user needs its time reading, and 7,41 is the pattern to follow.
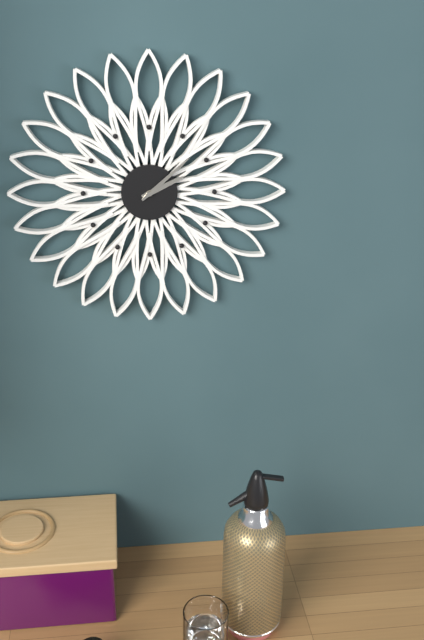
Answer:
2,08
